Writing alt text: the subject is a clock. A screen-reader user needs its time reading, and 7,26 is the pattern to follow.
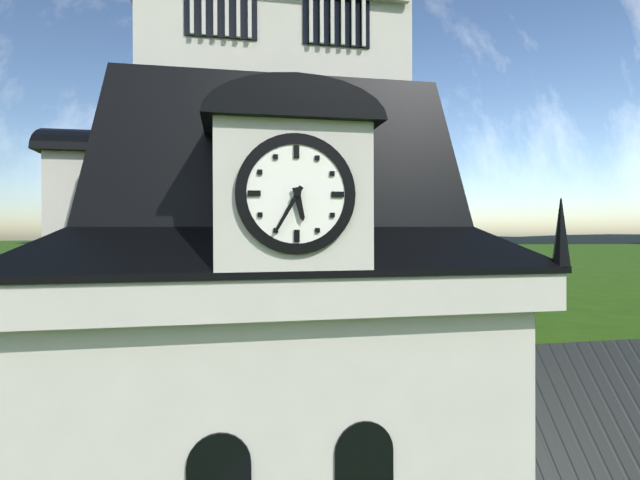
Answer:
5,35
